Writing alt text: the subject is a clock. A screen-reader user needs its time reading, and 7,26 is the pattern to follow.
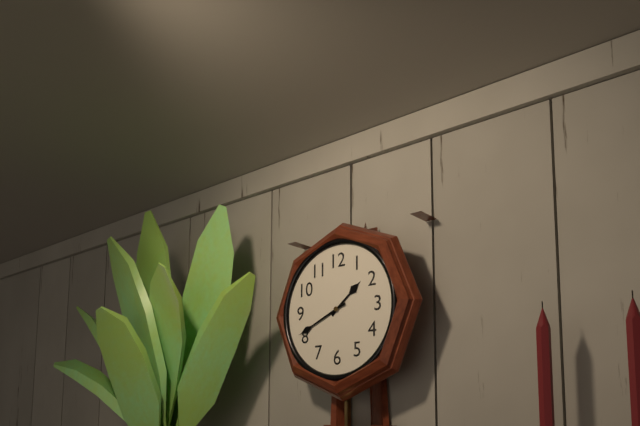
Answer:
1,41
